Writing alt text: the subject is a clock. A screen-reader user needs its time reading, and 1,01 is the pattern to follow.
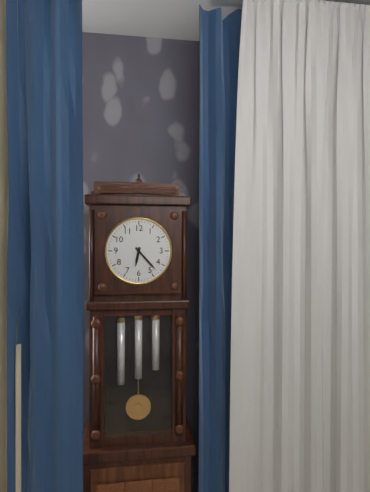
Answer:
6,23
